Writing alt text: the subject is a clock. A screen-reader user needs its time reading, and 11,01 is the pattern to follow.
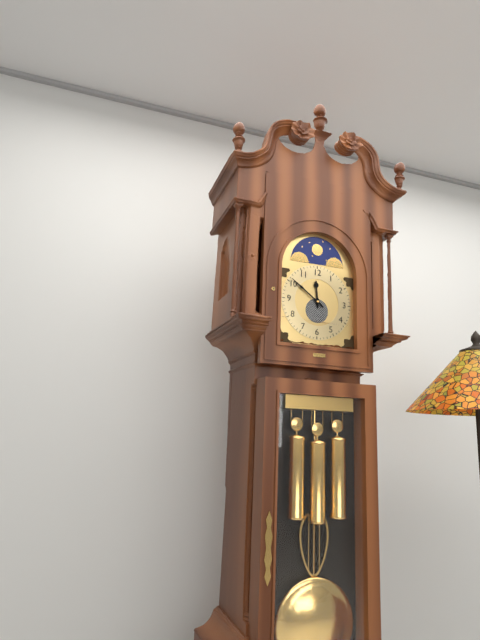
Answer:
11,51
